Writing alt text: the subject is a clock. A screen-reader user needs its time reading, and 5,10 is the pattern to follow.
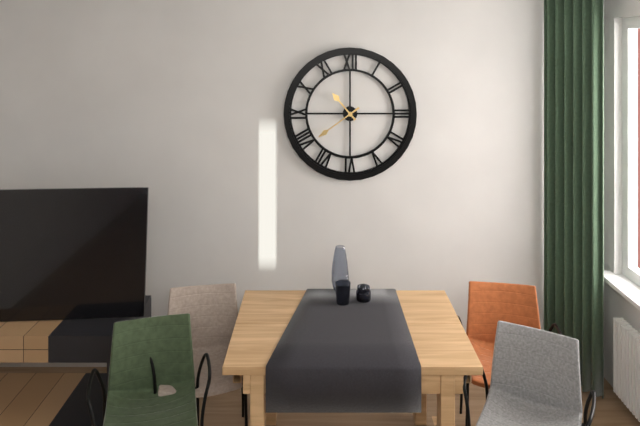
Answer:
10,39
